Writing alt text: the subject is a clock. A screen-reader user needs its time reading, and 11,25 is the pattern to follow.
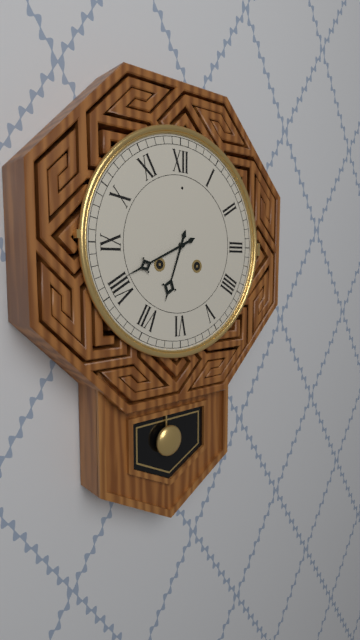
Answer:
6,41
